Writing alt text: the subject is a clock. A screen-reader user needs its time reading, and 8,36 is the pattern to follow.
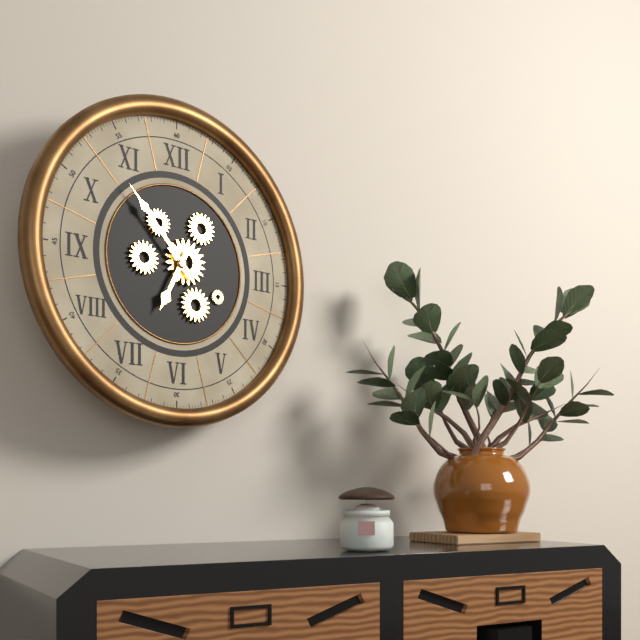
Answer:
6,53
